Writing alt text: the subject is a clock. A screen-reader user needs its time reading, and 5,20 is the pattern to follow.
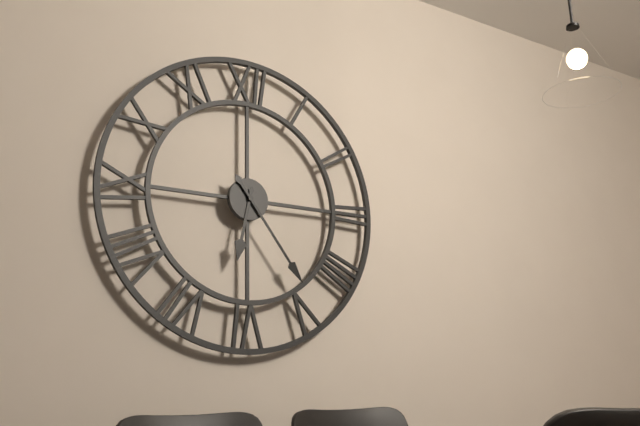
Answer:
6,24
